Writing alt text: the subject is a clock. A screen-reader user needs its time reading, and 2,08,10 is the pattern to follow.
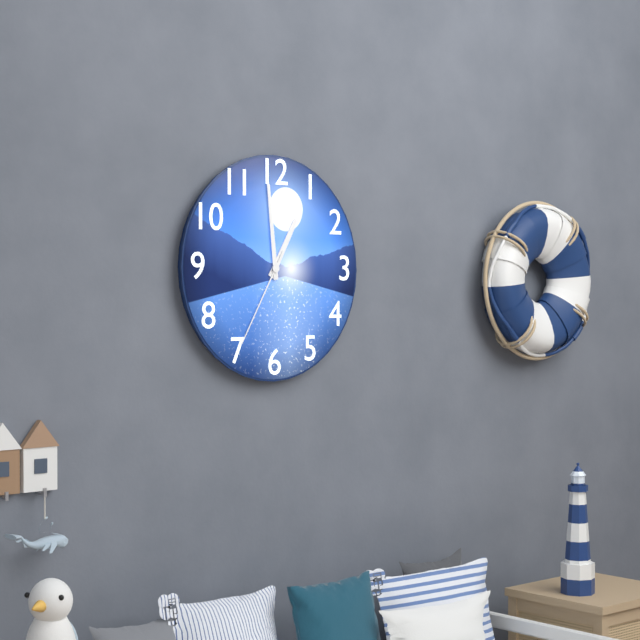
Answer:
12,59,35
